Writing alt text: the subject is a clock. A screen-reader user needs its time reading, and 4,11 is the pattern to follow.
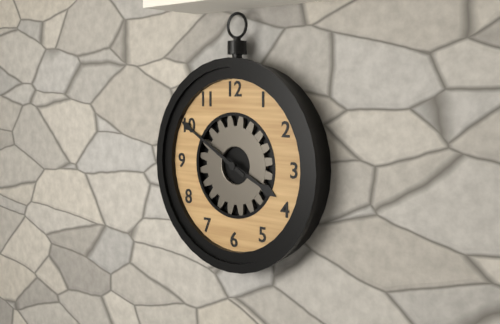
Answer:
3,50
